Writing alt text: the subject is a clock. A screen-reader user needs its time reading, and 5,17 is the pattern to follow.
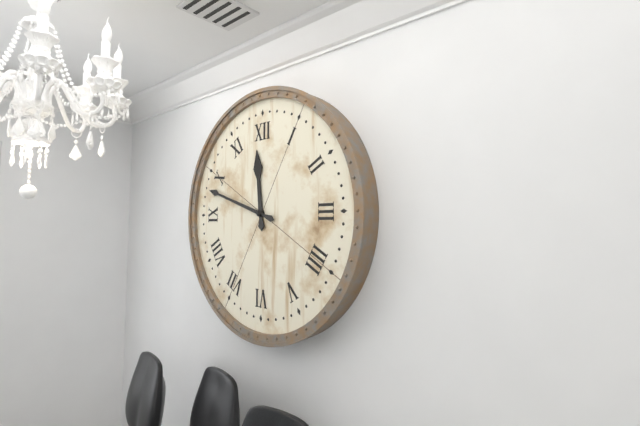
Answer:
11,48
